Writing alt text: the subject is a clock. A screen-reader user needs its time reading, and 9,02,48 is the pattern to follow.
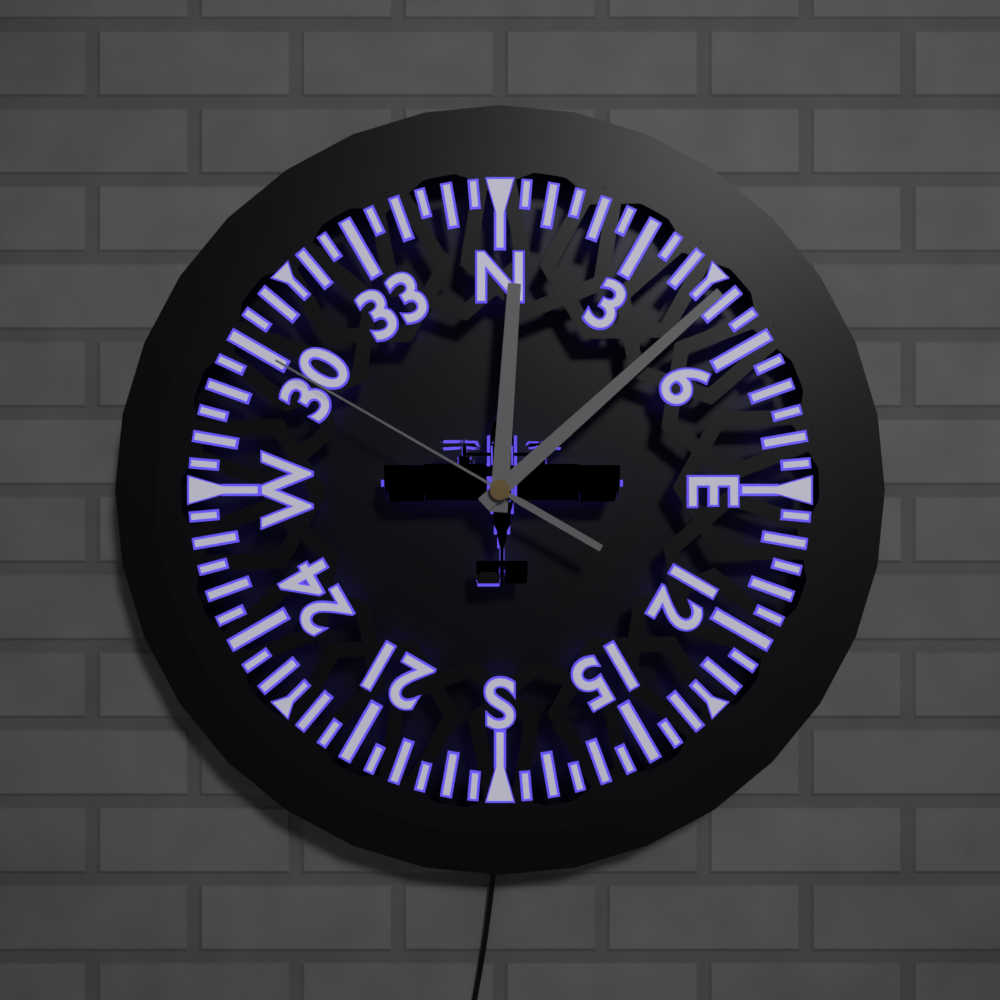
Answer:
12,08,50
